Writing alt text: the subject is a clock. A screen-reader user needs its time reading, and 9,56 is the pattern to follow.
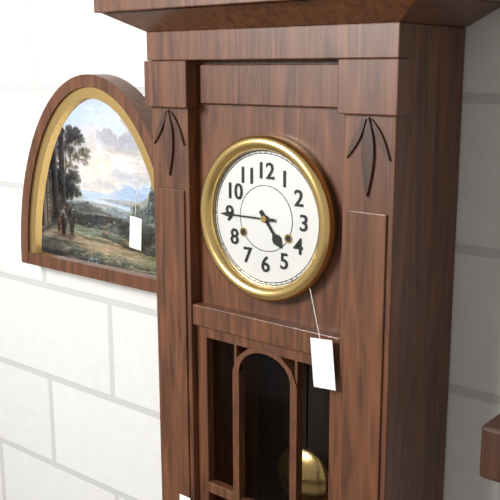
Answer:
4,45
